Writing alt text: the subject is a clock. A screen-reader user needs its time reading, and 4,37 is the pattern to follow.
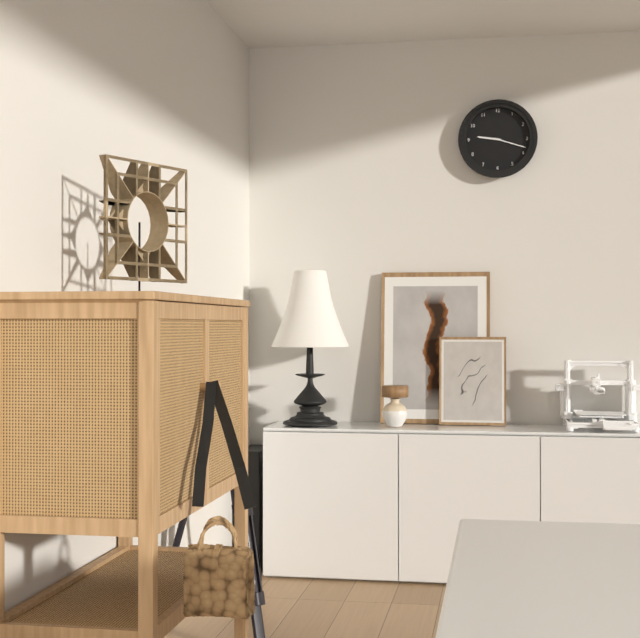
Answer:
9,18
